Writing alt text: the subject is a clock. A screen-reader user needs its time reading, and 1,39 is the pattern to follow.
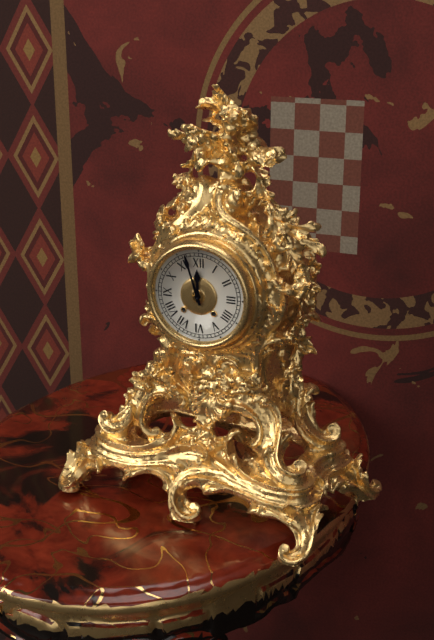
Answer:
11,57
